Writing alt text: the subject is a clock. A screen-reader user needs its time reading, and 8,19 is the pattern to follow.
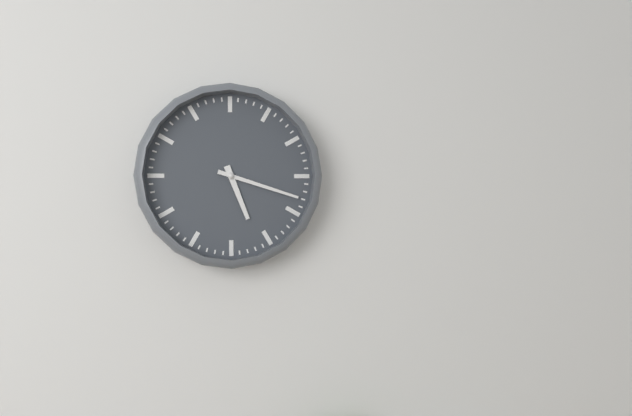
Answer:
5,18
